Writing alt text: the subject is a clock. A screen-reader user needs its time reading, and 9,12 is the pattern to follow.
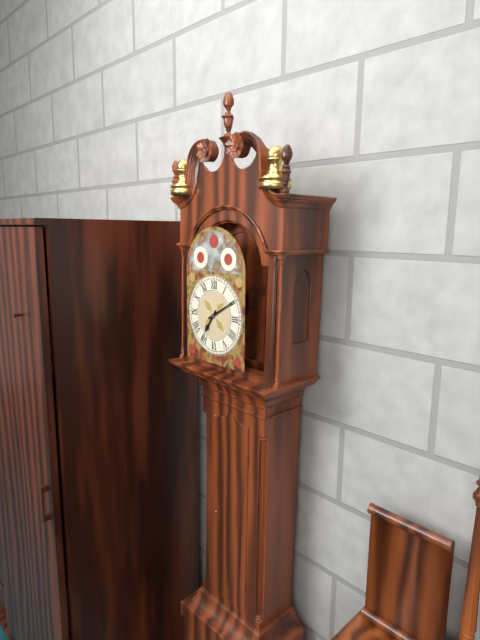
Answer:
7,10
